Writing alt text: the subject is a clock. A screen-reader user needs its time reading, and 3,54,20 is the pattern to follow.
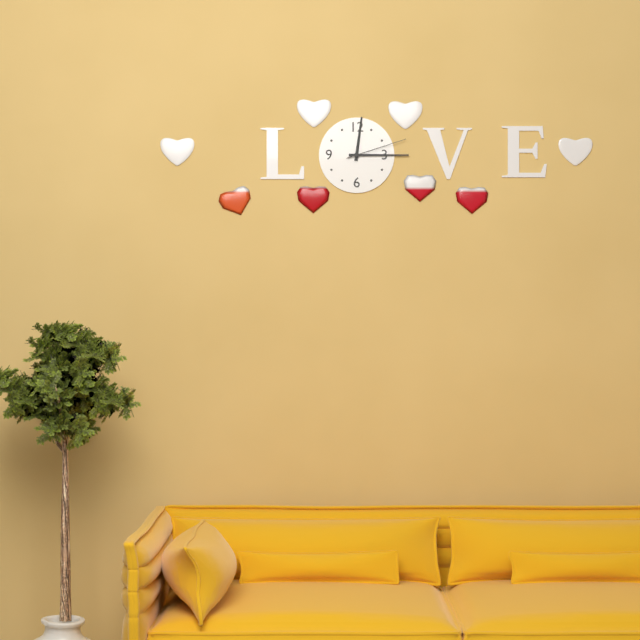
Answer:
12,15,12
